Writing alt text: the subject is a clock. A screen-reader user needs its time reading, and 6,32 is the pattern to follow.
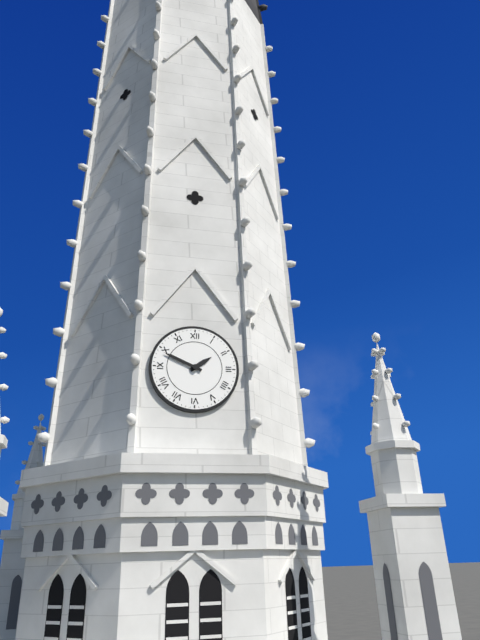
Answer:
1,49
